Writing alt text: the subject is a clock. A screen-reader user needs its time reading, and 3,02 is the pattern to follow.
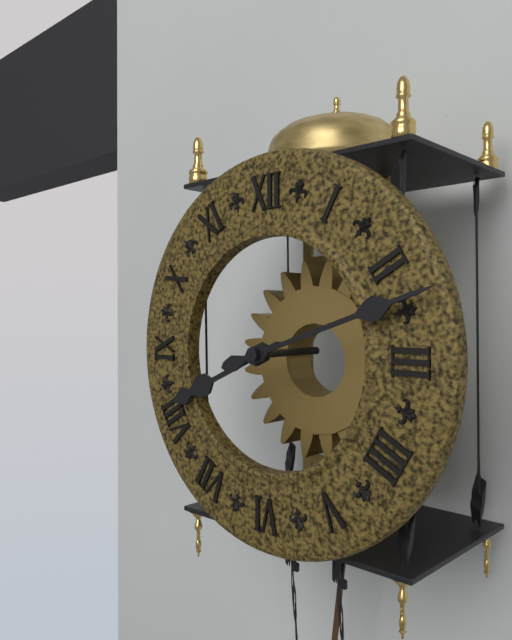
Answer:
8,12
